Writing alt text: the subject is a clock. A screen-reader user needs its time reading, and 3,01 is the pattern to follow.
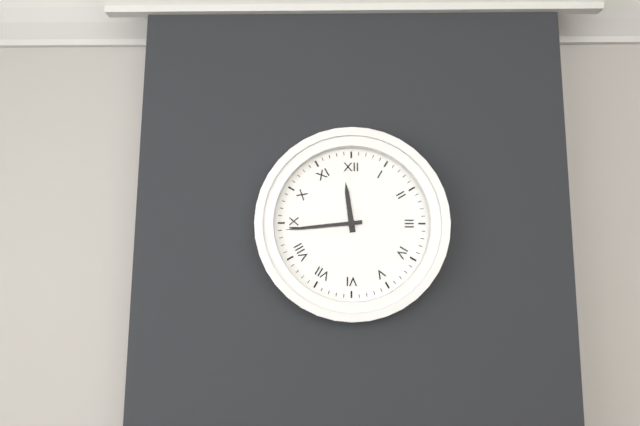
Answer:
11,44
